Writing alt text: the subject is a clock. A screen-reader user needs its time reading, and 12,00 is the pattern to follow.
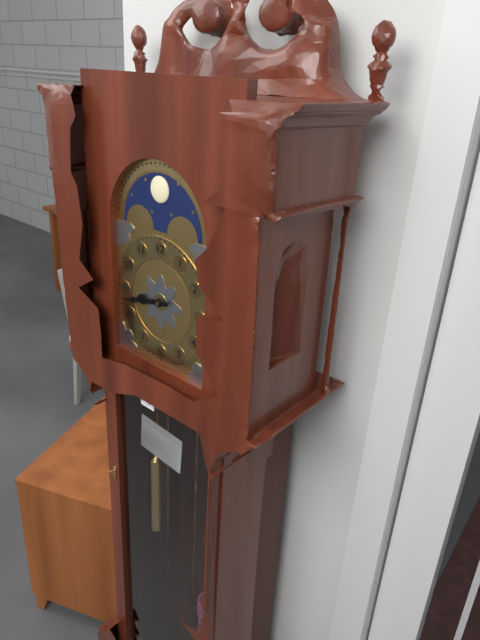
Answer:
8,43
